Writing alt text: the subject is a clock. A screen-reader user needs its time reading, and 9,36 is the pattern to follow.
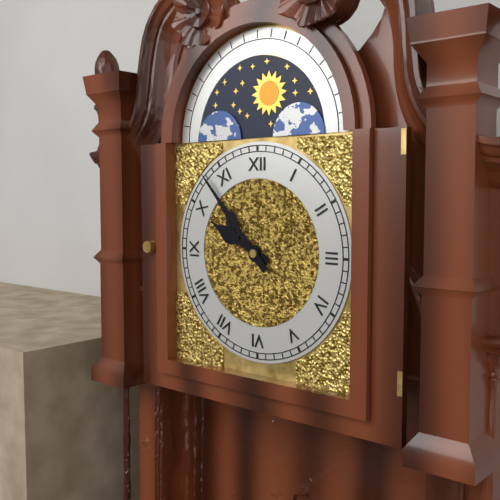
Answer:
9,53
